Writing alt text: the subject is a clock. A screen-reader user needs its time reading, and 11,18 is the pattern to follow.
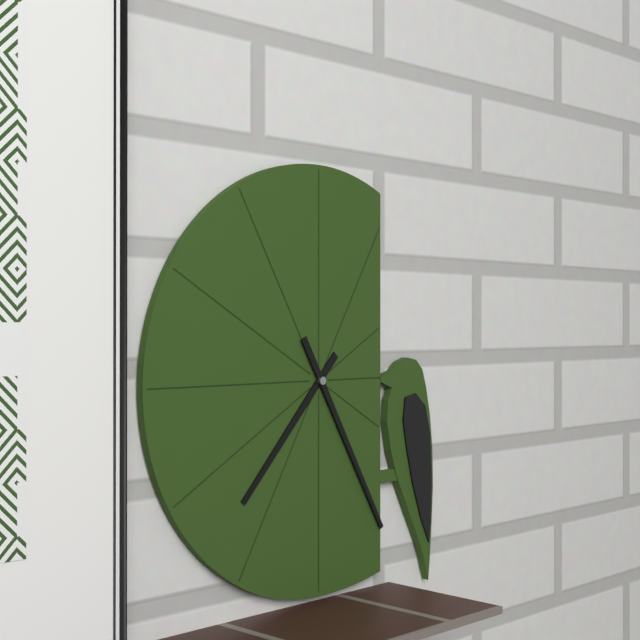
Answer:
7,25
